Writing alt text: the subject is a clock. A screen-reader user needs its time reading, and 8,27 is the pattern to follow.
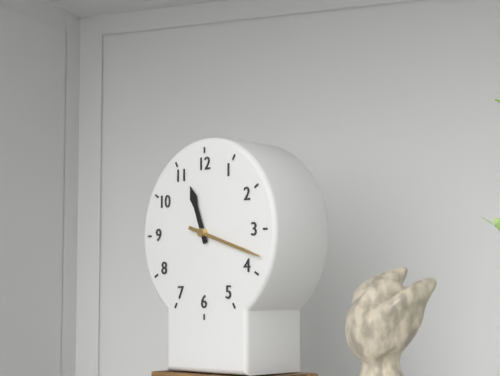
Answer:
11,18
